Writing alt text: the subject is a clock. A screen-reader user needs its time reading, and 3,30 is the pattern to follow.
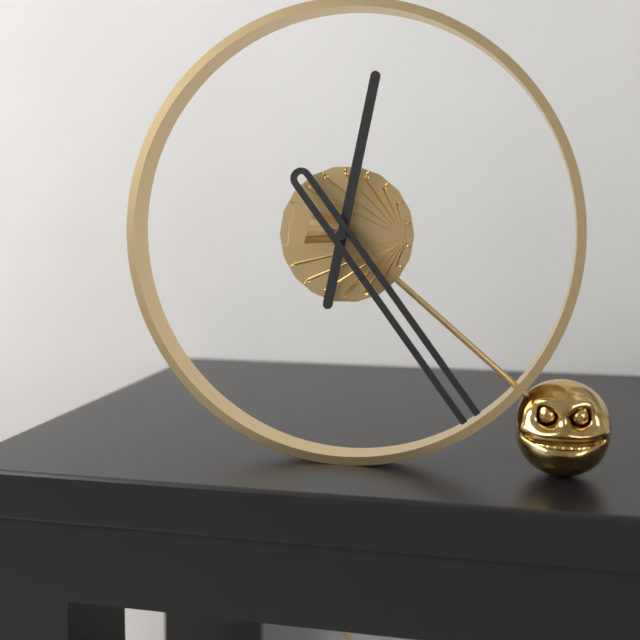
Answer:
12,24
